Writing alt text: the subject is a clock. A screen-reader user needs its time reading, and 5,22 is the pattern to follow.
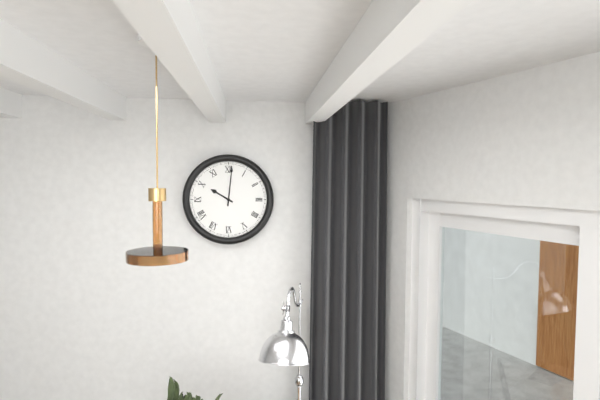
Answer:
10,01
